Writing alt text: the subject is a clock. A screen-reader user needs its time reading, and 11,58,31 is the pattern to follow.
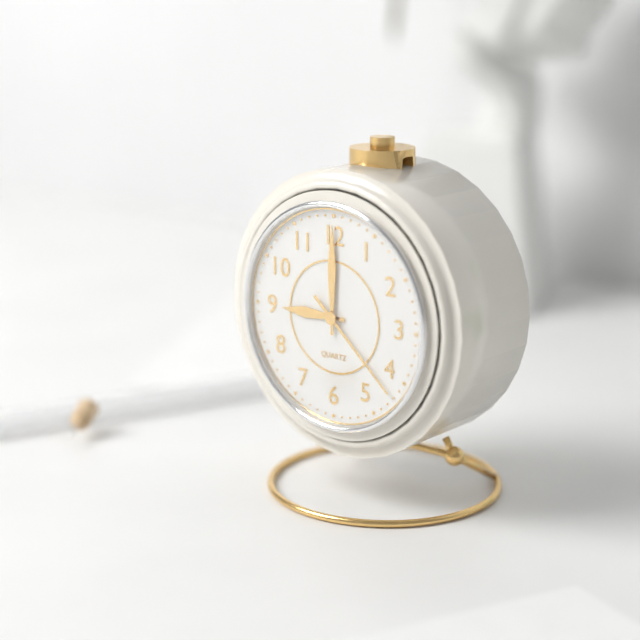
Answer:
9,00,22
